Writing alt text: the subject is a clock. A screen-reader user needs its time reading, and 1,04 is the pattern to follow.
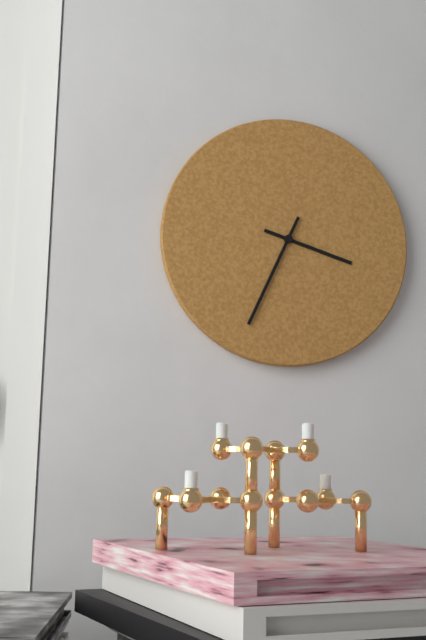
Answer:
3,34
